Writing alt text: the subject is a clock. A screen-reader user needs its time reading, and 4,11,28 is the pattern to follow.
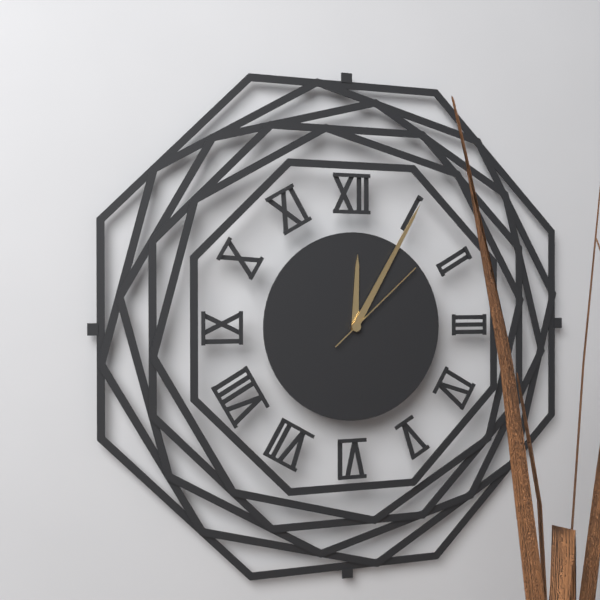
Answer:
12,05,08
